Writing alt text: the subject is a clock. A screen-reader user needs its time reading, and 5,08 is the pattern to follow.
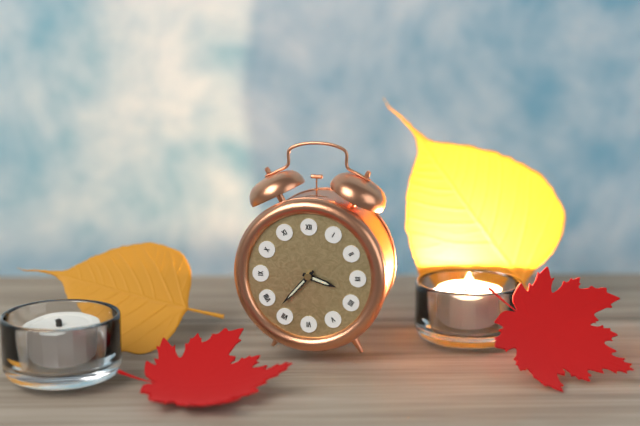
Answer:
3,37
